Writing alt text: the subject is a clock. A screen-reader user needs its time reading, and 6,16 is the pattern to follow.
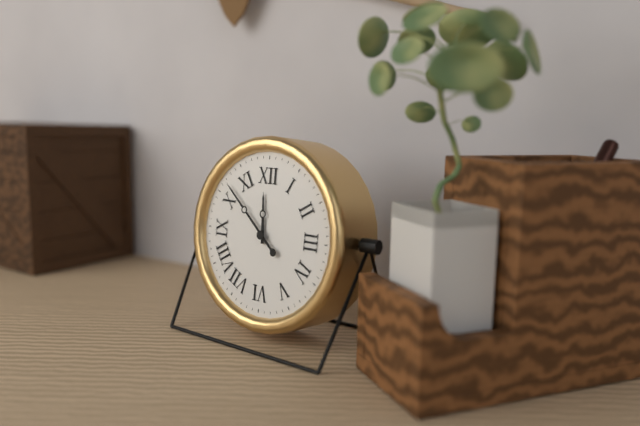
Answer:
11,52
